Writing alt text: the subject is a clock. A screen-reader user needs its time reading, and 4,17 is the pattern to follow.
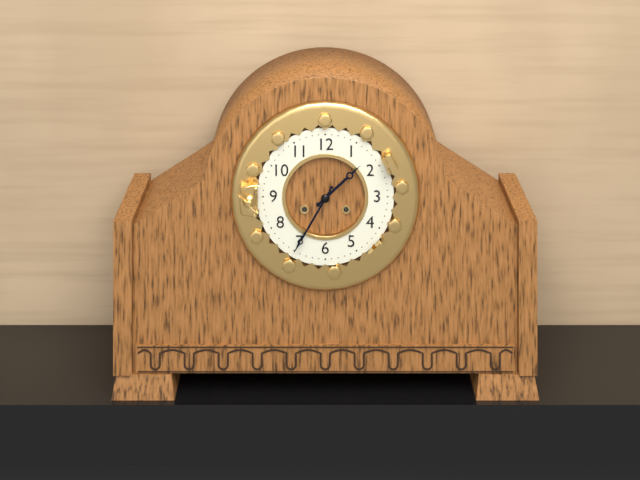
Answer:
1,35
